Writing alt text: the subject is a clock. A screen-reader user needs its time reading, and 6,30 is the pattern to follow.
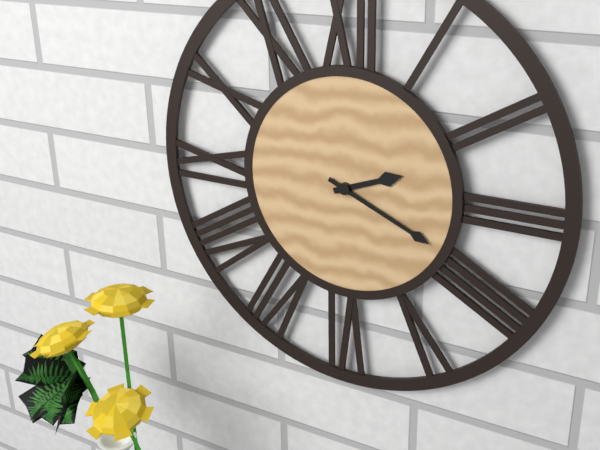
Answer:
2,19
